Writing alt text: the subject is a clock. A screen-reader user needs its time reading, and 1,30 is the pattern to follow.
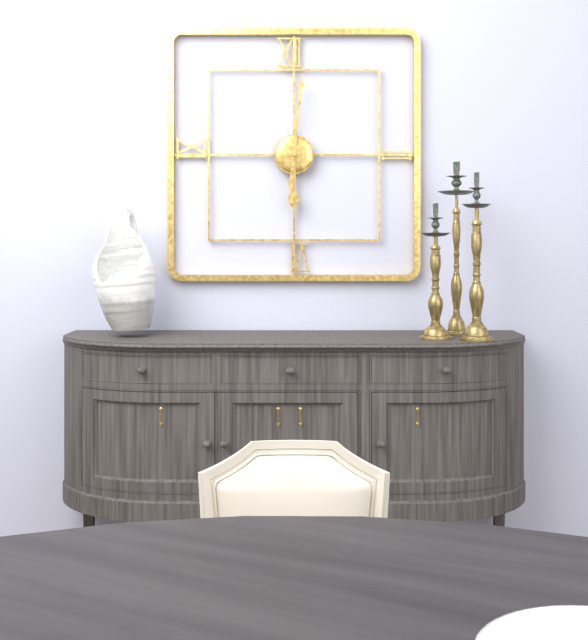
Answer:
6,01
